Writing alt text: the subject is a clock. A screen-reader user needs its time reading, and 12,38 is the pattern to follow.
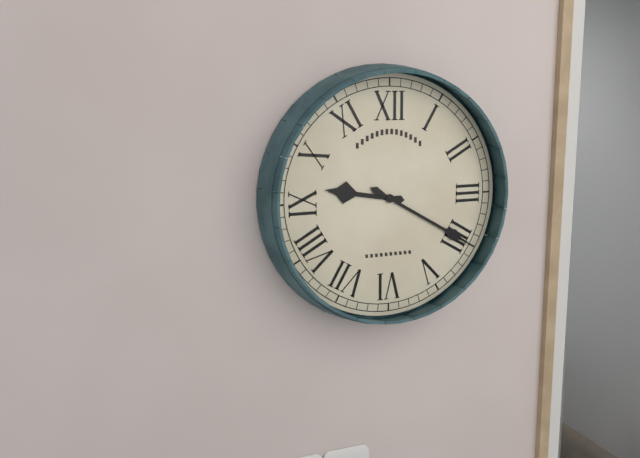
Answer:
9,20
